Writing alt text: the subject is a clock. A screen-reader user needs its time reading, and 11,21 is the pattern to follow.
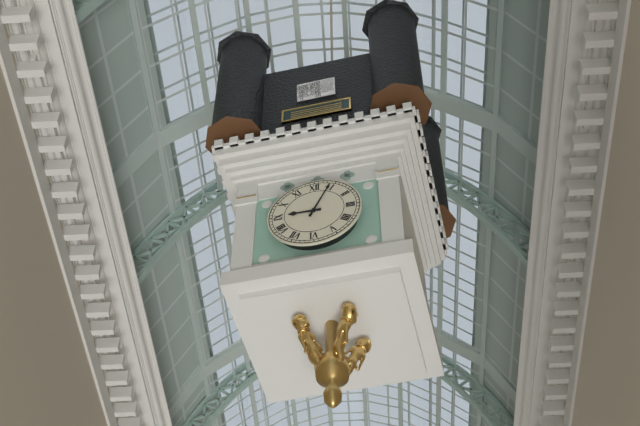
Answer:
9,04
